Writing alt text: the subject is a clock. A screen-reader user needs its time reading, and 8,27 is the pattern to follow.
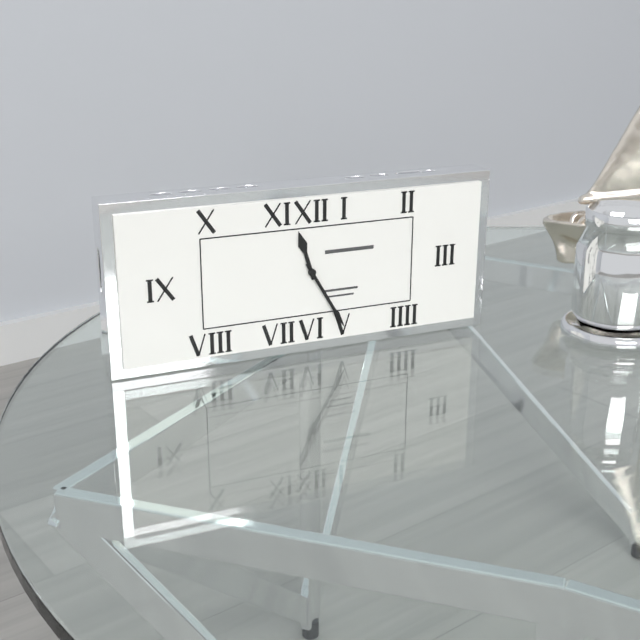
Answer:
11,25
